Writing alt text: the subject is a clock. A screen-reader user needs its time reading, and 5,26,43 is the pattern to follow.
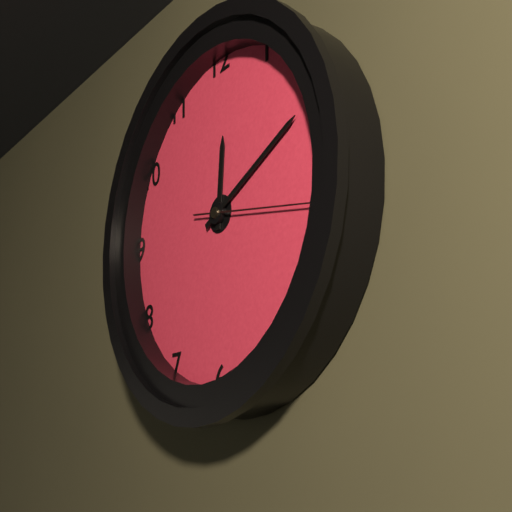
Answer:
12,11,17
